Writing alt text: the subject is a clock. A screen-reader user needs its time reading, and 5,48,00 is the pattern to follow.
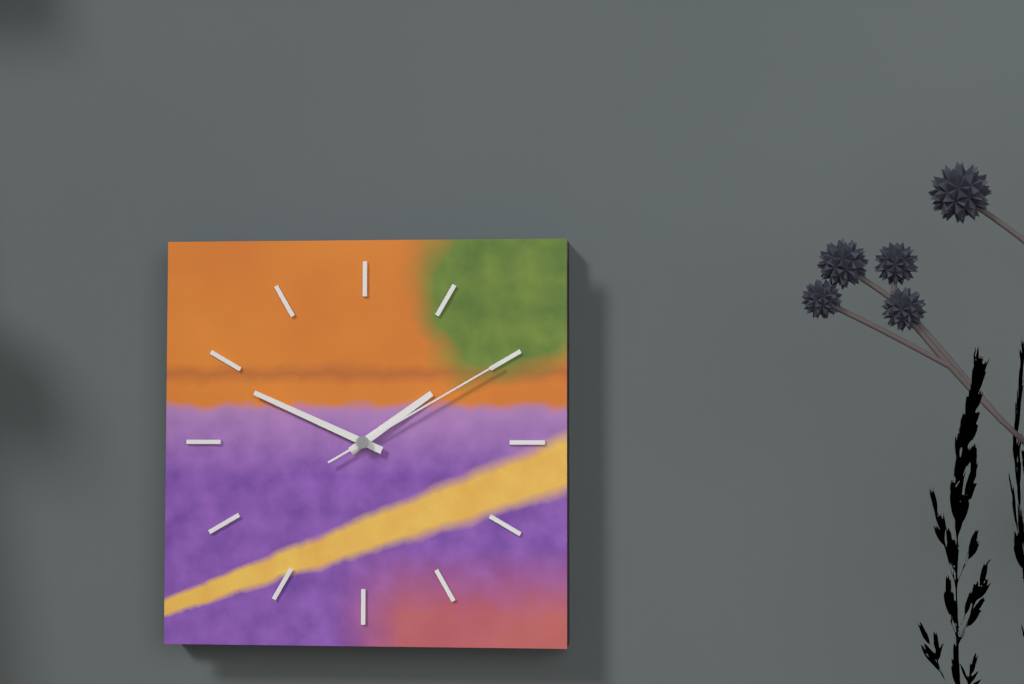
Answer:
1,49,10
